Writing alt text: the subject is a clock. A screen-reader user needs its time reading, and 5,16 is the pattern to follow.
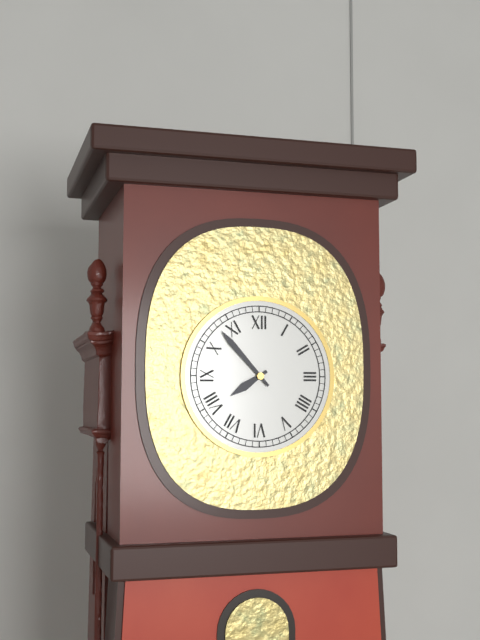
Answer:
7,53
